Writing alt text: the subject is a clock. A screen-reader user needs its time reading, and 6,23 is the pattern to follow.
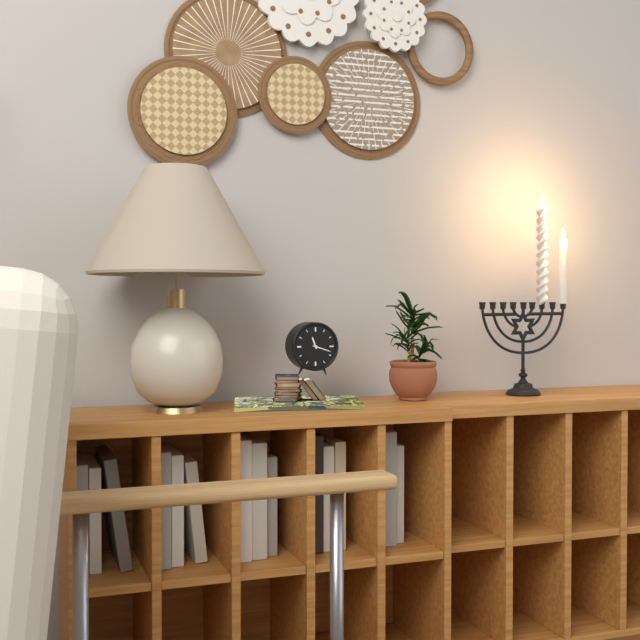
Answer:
11,18
